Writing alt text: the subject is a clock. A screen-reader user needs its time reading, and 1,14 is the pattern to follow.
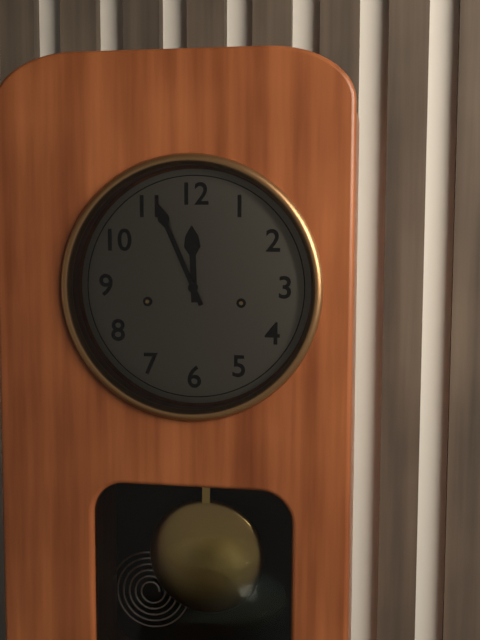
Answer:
11,56
